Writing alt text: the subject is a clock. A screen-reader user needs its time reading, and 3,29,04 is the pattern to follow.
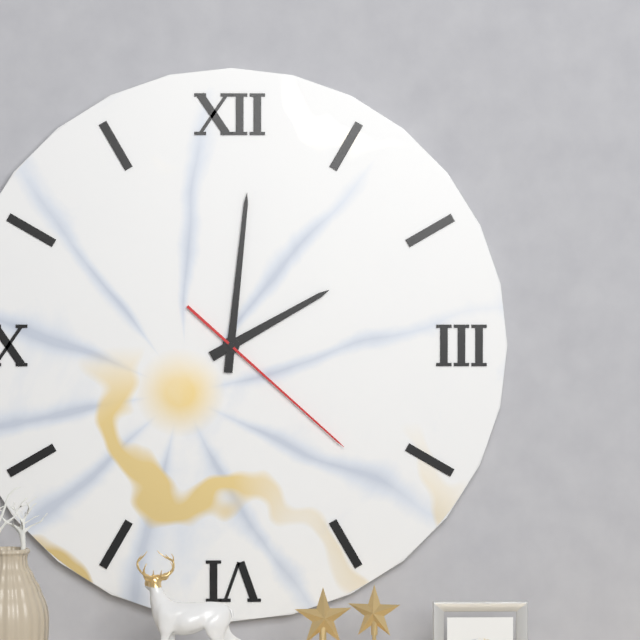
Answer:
2,01,22
